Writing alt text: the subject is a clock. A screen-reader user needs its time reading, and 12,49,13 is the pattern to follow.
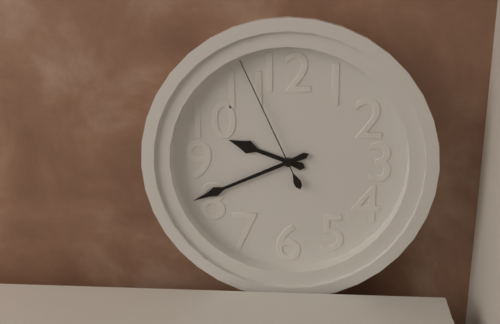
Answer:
9,41,56
